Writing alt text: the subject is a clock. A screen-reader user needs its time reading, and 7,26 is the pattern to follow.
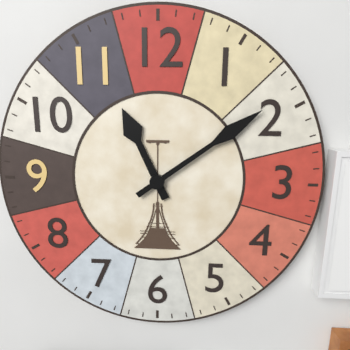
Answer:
11,09
